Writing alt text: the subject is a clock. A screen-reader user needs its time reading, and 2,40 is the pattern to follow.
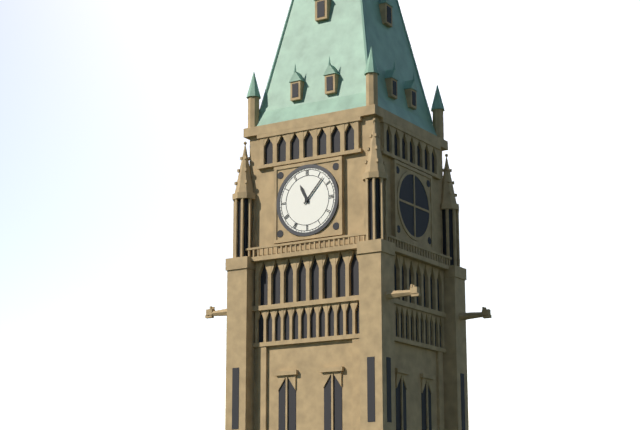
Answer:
11,07
